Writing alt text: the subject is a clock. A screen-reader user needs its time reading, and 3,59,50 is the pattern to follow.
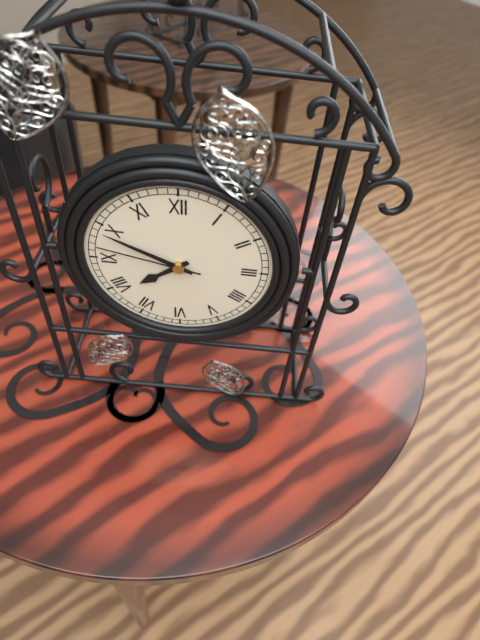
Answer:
7,49,47
